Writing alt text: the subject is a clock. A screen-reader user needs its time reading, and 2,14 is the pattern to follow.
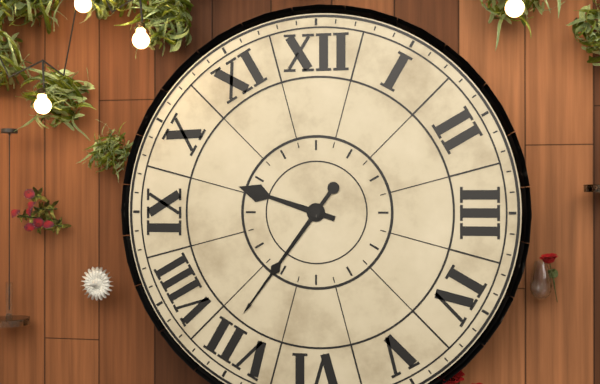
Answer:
9,36
